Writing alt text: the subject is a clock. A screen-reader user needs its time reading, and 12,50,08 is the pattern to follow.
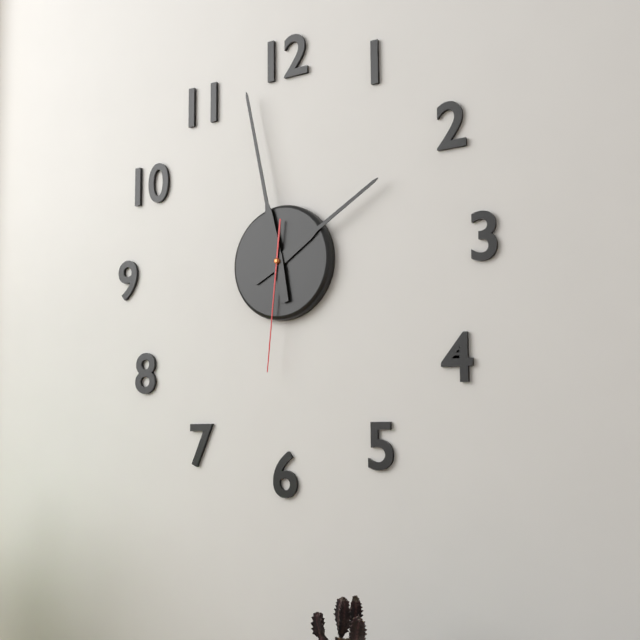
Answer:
1,58,31
